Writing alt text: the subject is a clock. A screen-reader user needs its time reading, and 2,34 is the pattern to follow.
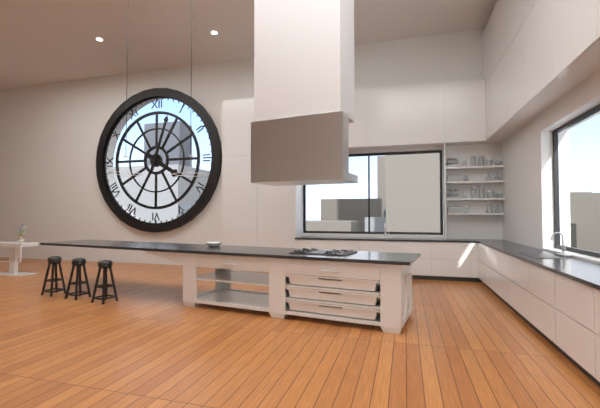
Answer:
4,03
